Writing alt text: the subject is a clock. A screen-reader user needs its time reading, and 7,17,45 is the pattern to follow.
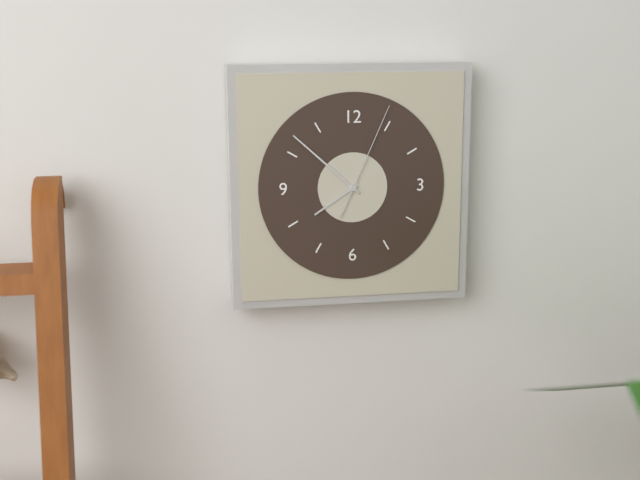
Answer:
7,52,04
